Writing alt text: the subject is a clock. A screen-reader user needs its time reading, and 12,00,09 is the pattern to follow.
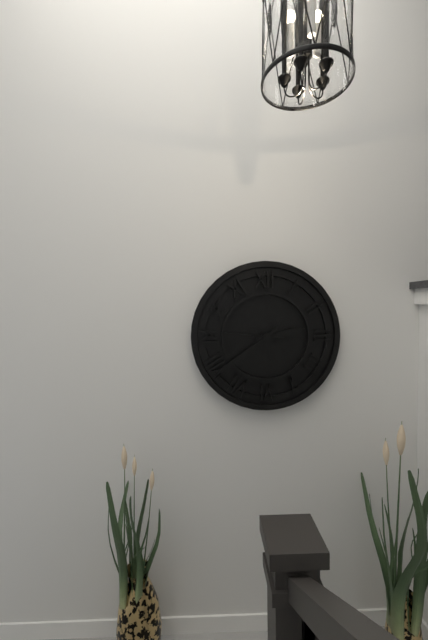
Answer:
2,39,46
